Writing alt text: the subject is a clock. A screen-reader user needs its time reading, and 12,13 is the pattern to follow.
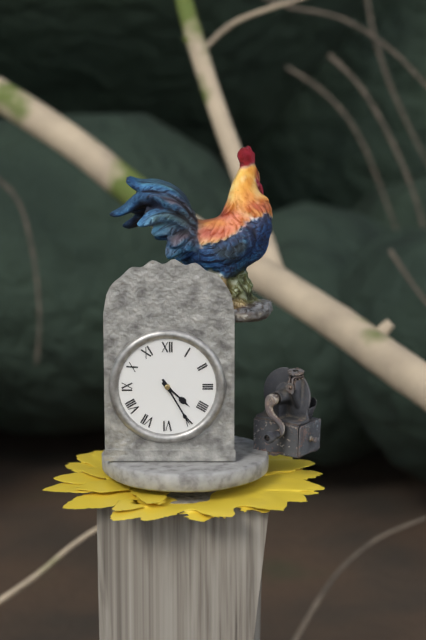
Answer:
4,25
